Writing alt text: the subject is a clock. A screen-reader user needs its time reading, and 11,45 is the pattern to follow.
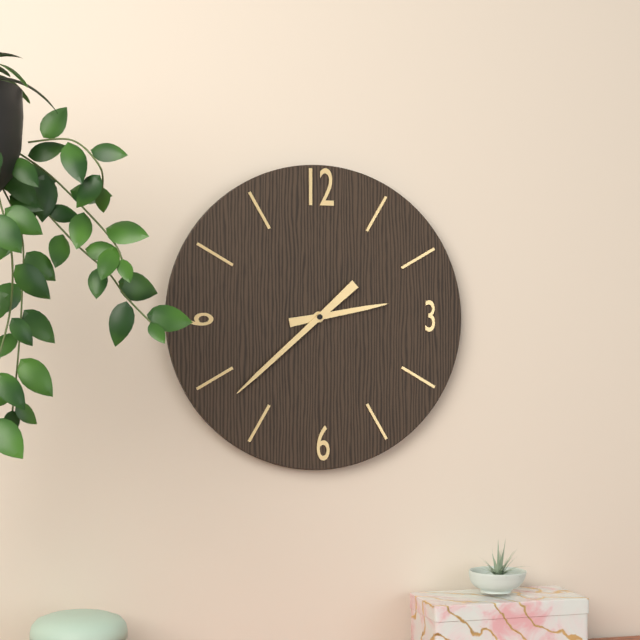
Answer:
2,38
